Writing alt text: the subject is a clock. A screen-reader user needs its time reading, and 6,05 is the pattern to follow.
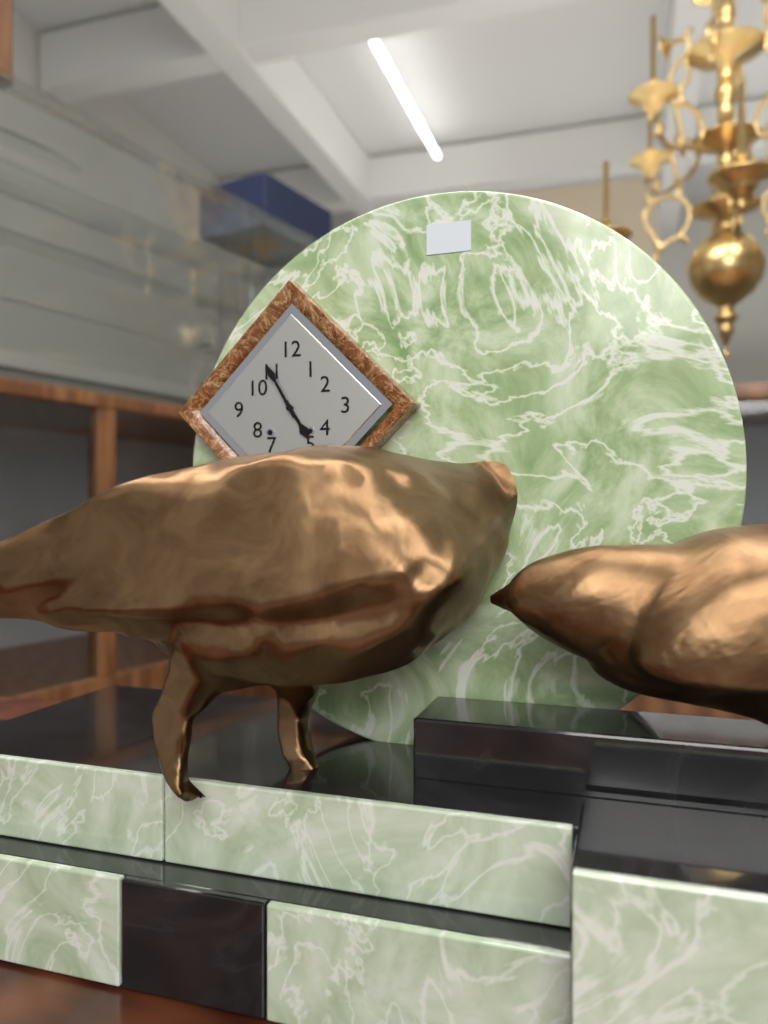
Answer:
4,55
